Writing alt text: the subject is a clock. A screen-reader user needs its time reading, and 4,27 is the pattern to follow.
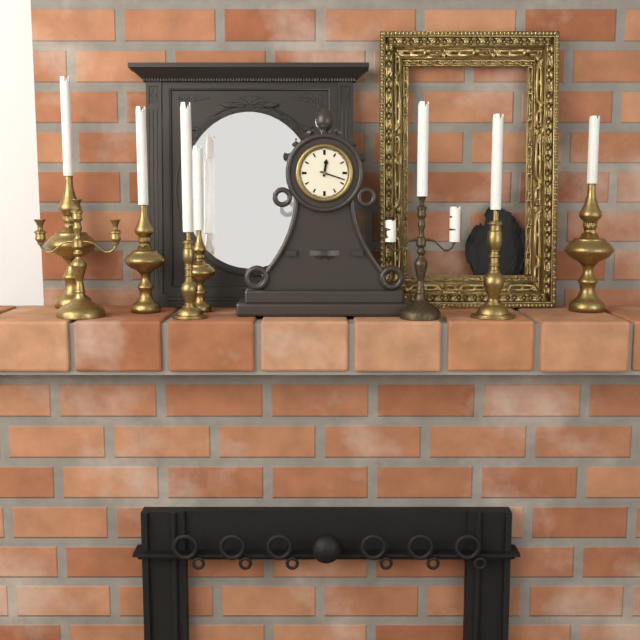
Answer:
12,18
